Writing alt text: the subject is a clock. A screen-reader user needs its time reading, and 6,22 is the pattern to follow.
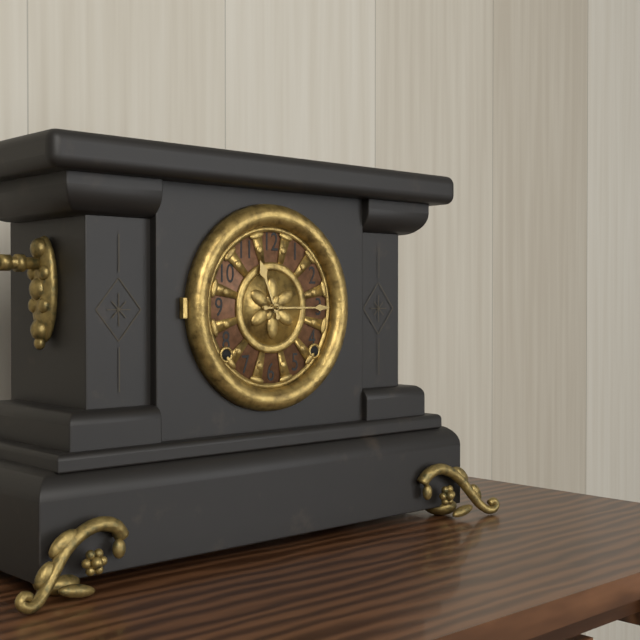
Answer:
11,15
